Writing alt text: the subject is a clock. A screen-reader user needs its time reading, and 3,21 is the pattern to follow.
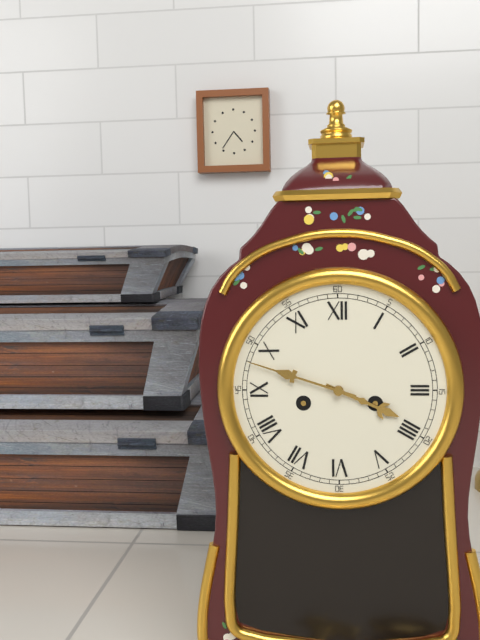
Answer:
3,48
